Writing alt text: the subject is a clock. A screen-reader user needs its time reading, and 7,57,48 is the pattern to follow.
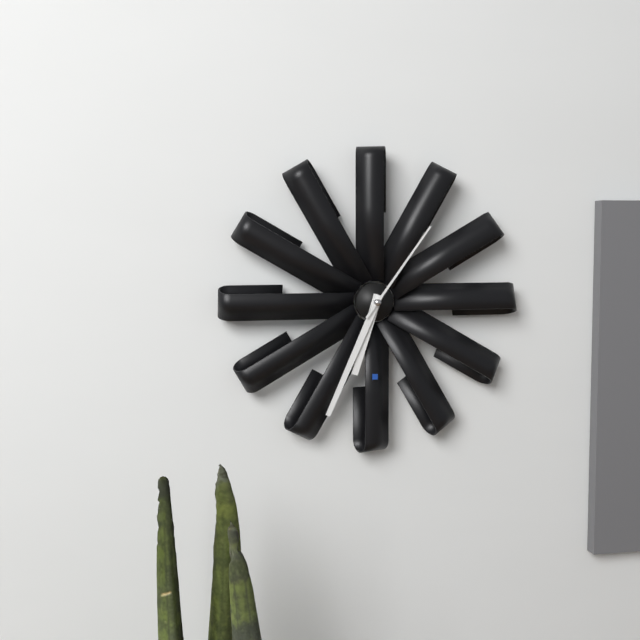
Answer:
6,34,06
